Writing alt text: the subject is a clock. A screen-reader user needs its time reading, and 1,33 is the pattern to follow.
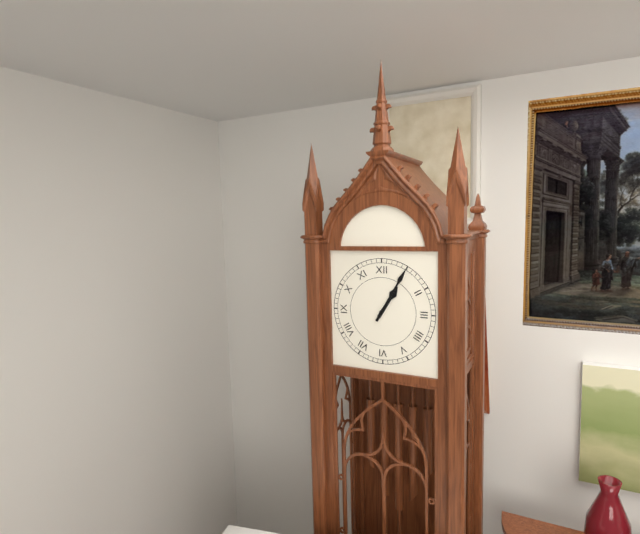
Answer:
1,05
